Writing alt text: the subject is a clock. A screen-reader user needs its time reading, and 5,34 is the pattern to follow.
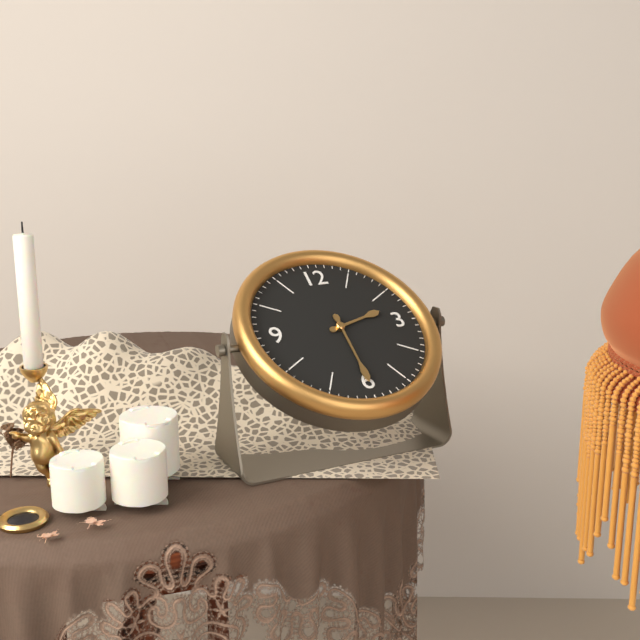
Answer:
2,30
